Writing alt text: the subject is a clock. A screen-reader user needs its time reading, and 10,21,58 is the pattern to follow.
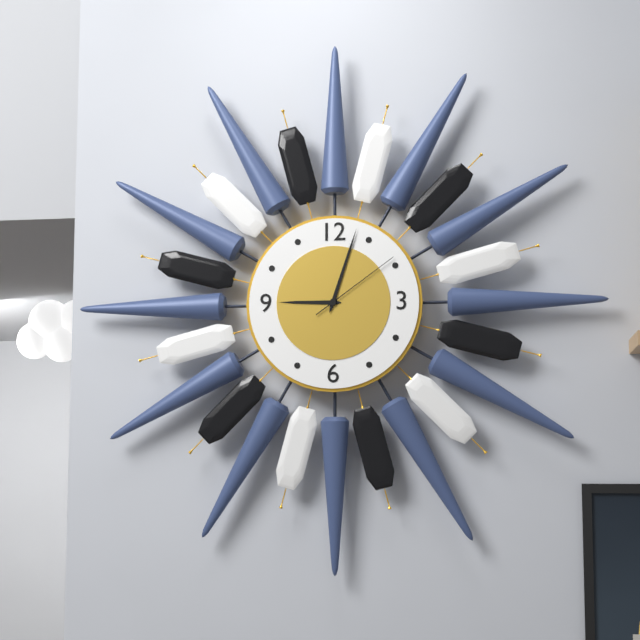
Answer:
9,03,09
